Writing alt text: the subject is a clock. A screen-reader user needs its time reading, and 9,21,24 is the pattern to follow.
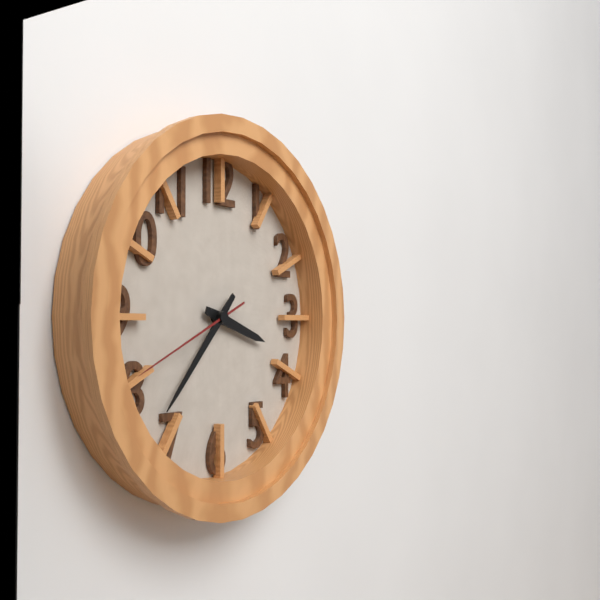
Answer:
3,37,41
